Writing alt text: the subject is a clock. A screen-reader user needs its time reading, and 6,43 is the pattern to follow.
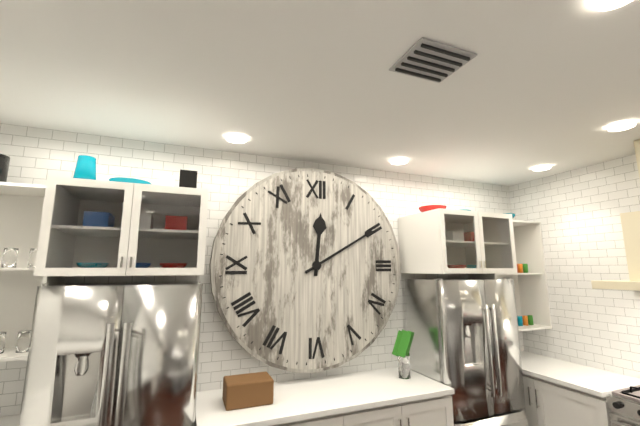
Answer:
12,10
